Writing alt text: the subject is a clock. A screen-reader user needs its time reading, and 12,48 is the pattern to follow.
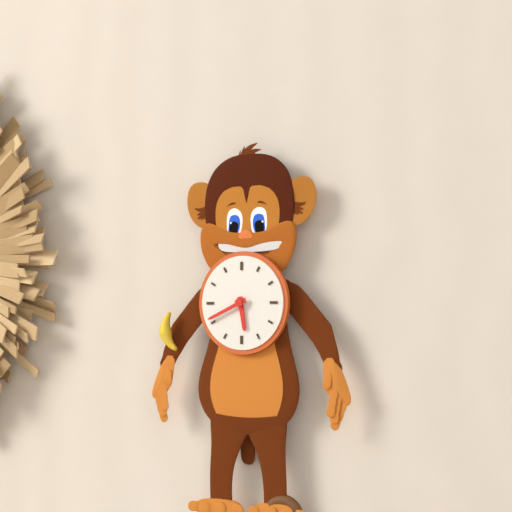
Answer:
5,41
